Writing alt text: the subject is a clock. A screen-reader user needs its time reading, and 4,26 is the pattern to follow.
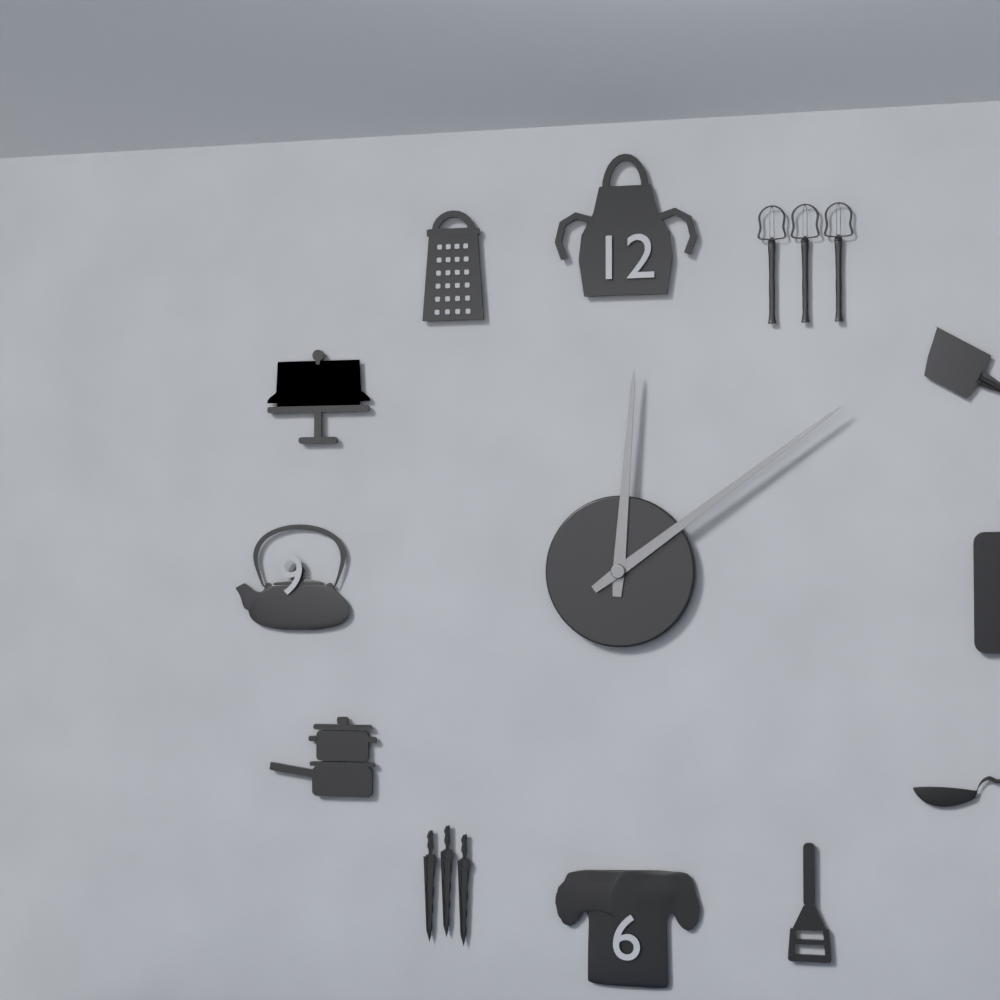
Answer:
12,09
